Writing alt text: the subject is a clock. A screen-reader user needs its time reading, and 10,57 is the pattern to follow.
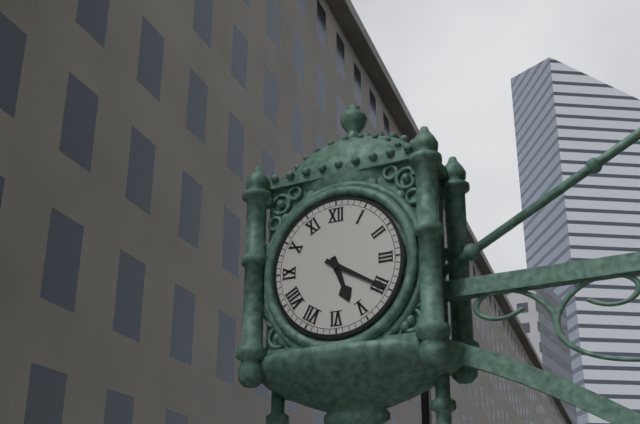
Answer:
5,20
